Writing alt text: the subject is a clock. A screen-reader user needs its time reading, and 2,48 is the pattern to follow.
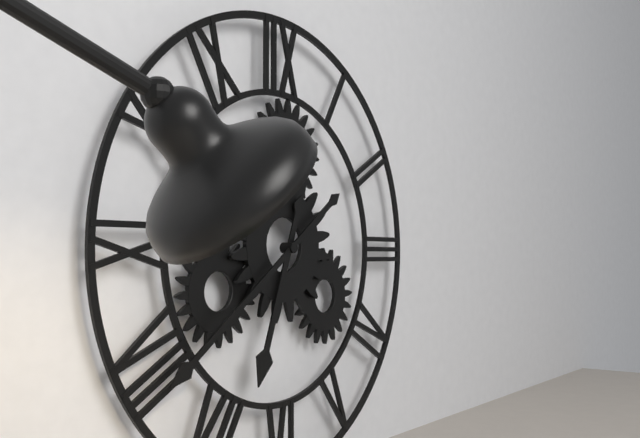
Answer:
6,39
